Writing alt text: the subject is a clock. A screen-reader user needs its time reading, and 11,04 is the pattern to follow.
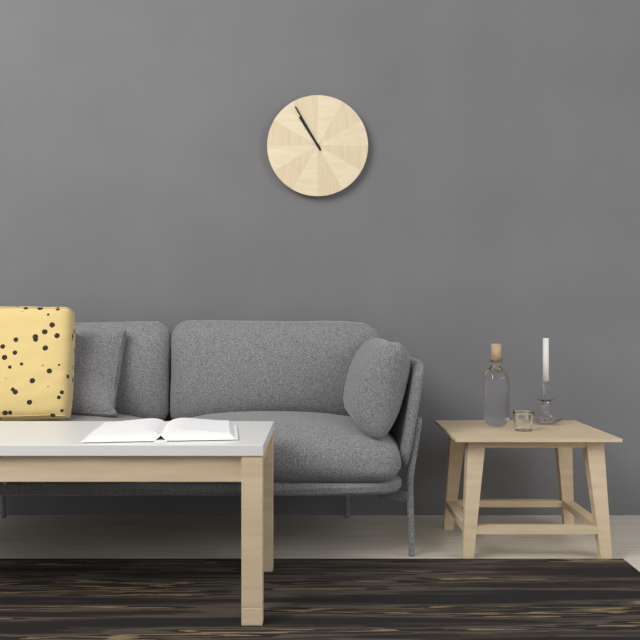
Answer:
10,55
